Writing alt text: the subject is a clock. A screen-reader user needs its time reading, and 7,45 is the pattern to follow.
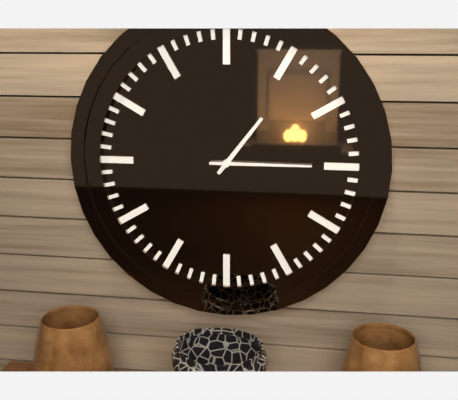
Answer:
1,15
